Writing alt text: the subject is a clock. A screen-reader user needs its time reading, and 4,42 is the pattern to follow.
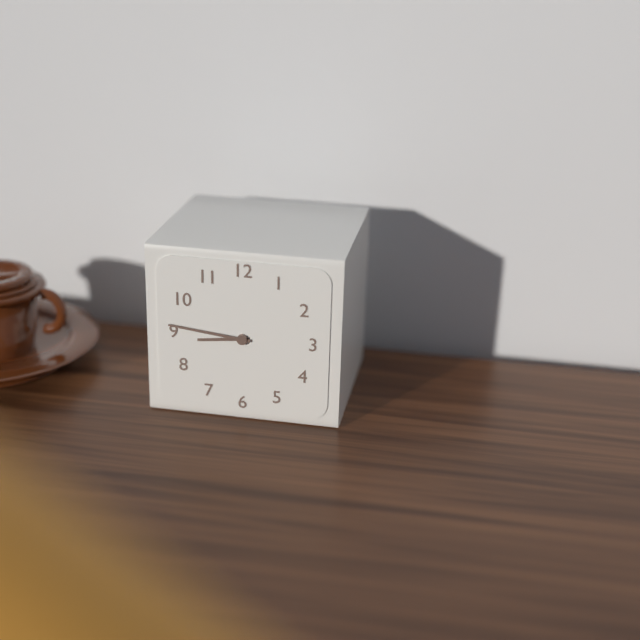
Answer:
8,46
